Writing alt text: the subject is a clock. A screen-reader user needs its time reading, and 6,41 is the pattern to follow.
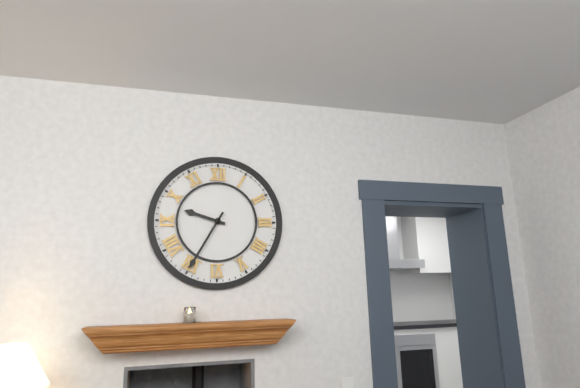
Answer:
9,35
